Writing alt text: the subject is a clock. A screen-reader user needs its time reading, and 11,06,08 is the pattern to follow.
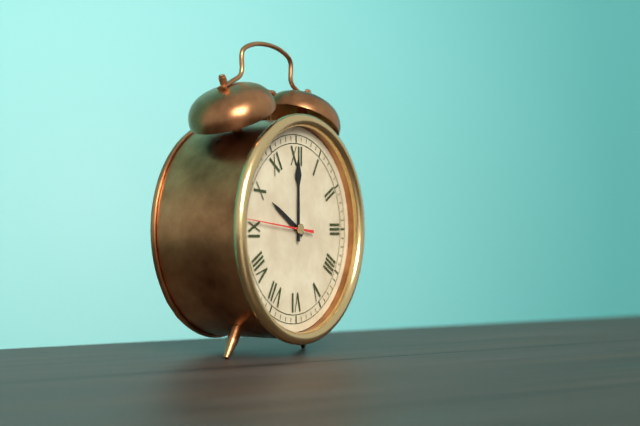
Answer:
10,00,46
